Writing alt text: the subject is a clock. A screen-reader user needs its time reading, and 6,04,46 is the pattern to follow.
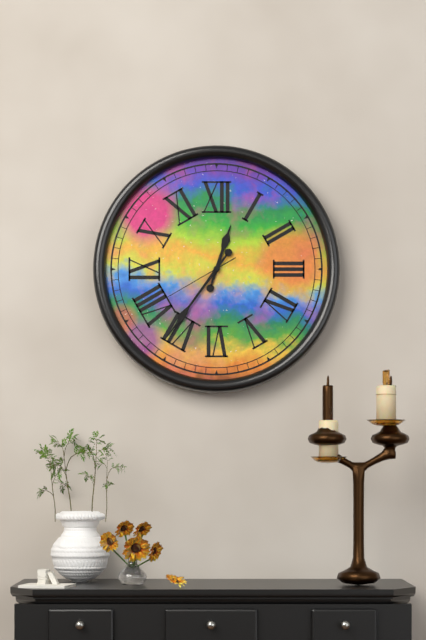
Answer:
12,36,40
